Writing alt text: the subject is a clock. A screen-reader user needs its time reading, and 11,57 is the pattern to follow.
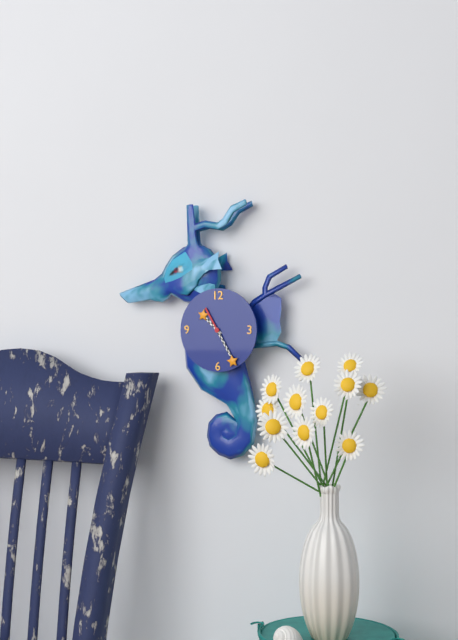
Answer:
10,25
